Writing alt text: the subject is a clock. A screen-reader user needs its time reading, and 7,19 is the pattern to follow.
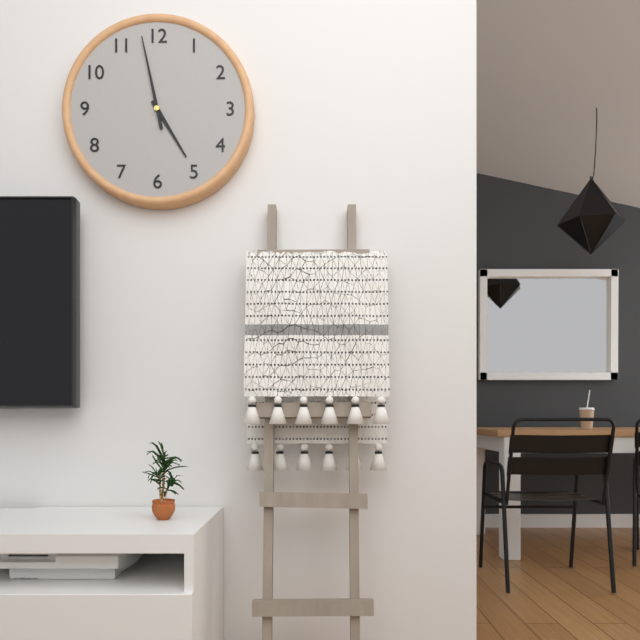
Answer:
4,58
